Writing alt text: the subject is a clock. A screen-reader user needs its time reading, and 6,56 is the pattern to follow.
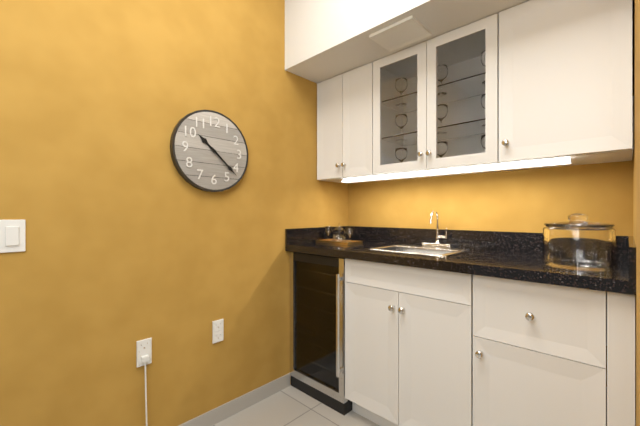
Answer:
10,22
